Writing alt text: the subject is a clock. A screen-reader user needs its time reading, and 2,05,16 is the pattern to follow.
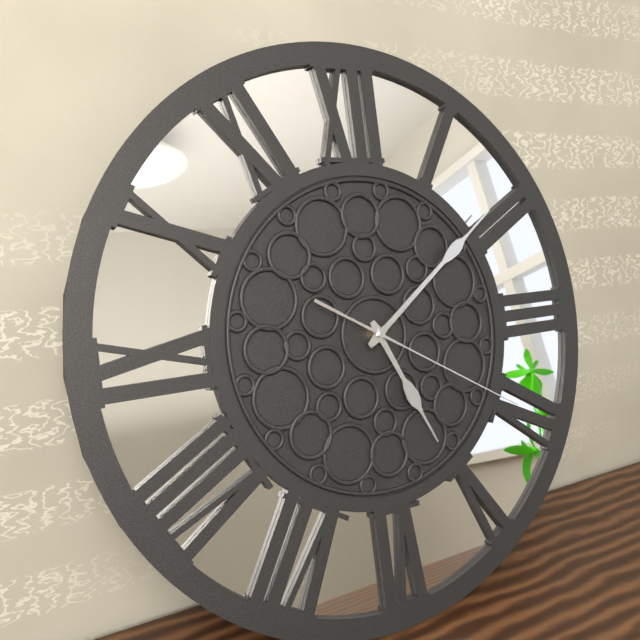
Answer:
5,09,20
